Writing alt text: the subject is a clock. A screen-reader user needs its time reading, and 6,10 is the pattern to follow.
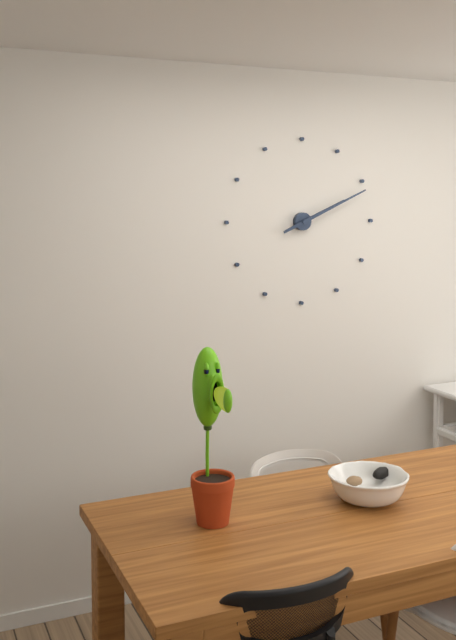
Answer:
2,11
